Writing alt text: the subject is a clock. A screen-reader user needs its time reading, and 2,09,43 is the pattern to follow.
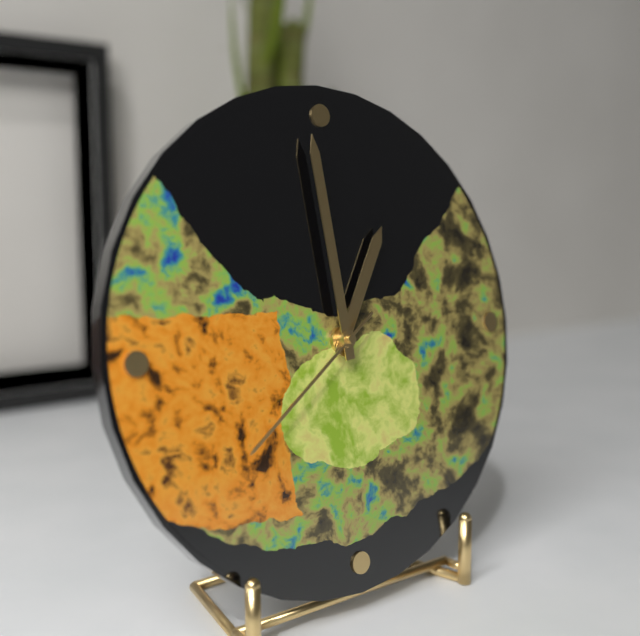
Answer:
12,59,39
